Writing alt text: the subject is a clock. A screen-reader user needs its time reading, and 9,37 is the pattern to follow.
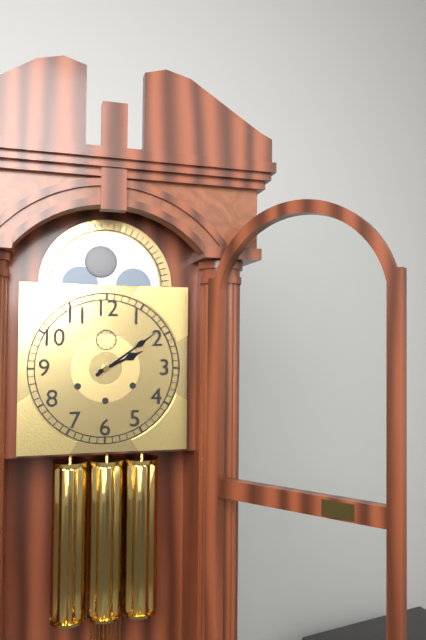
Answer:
2,09
